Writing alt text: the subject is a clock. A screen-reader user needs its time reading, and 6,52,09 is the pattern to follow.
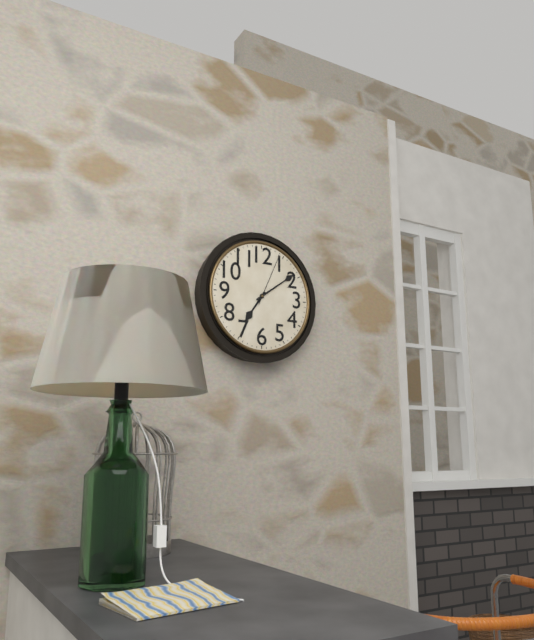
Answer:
7,09,04
